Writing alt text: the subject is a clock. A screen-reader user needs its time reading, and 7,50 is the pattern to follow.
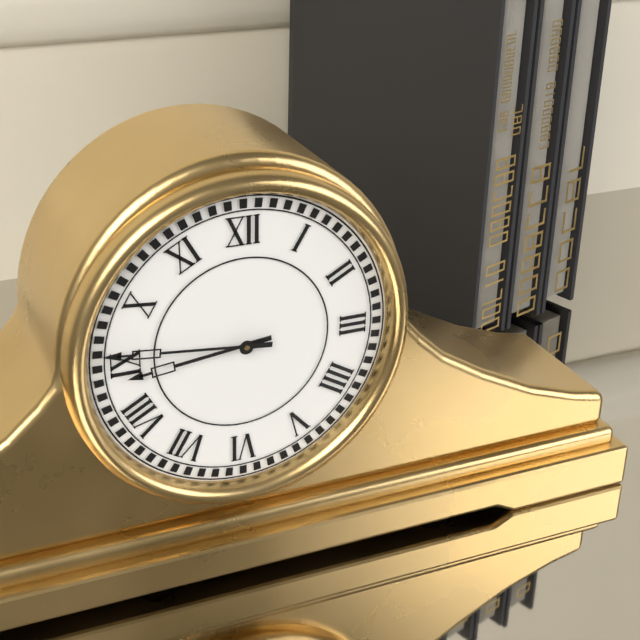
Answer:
8,46
